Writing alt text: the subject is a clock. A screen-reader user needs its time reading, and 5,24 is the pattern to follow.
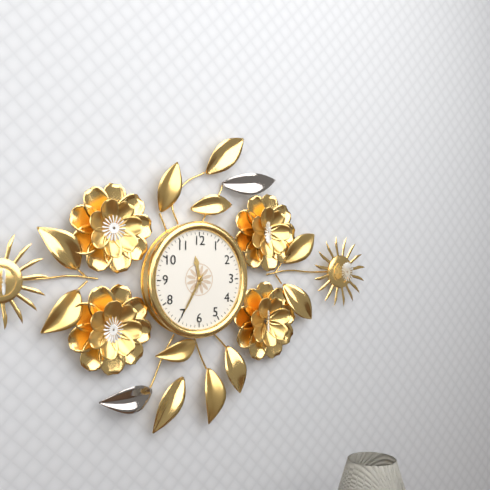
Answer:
11,35
